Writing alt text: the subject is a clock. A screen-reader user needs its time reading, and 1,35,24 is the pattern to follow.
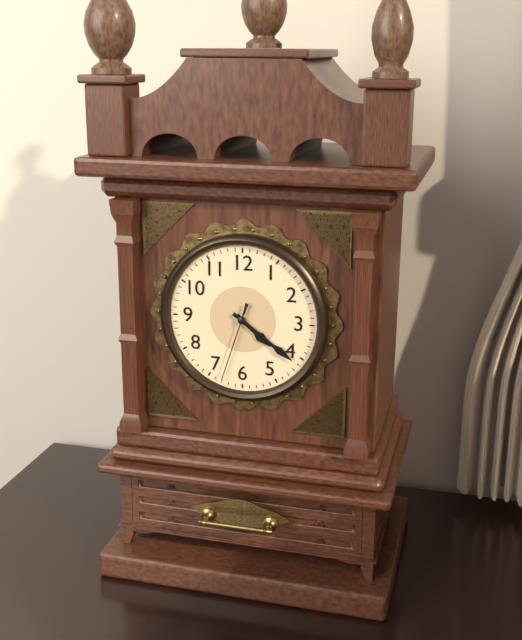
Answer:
4,21,33
